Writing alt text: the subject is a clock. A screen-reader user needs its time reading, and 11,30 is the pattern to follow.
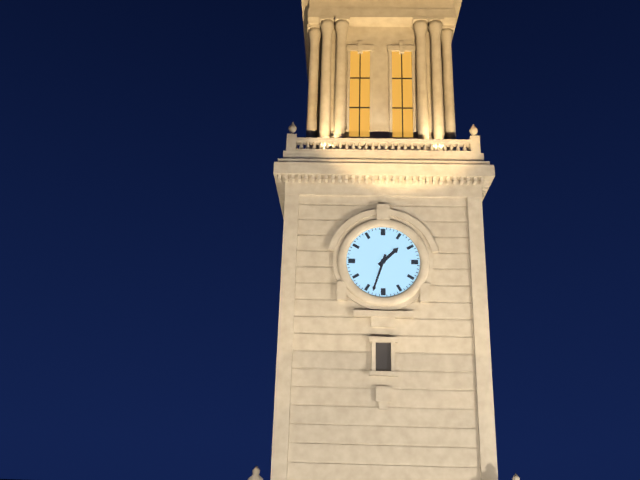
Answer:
1,33
